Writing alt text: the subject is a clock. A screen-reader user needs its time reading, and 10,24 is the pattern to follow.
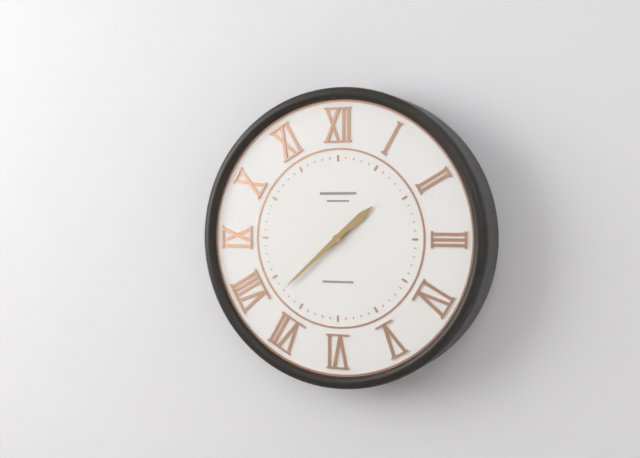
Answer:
1,38
